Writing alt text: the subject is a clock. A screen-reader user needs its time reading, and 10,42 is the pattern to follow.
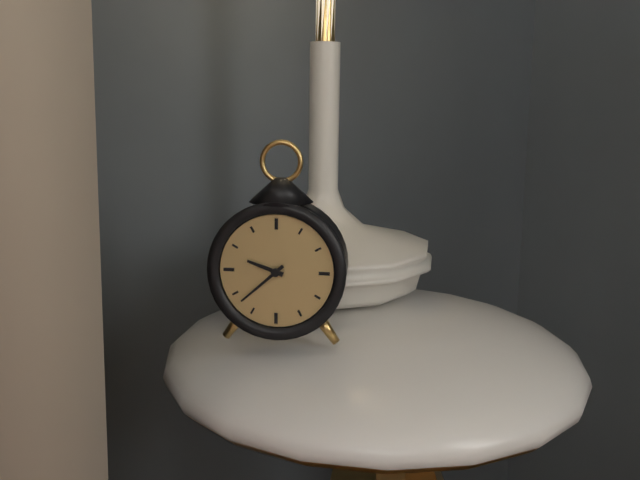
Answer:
9,38
